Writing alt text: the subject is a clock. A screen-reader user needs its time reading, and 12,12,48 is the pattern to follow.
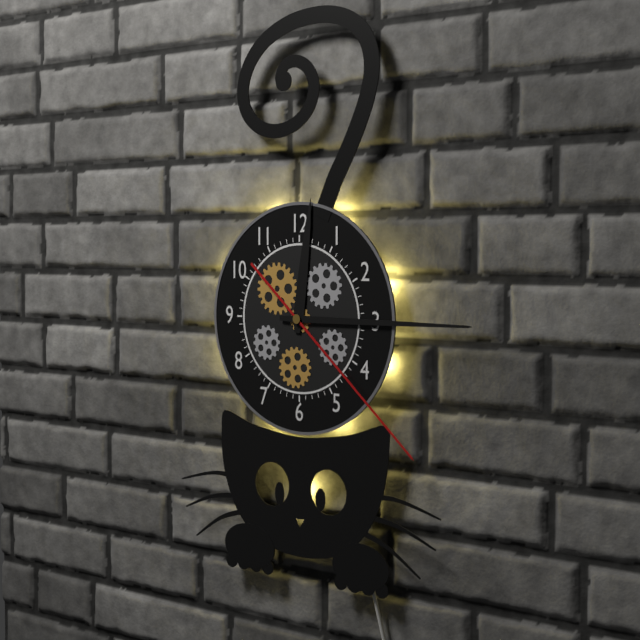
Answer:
12,15,22
